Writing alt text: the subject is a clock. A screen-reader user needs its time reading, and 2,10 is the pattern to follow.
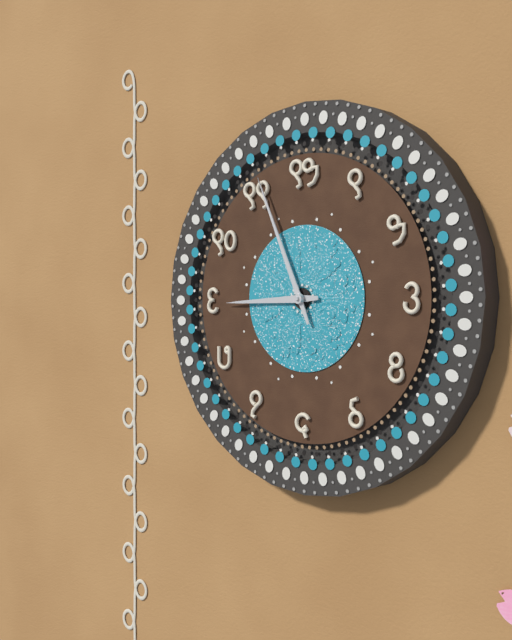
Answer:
8,56
